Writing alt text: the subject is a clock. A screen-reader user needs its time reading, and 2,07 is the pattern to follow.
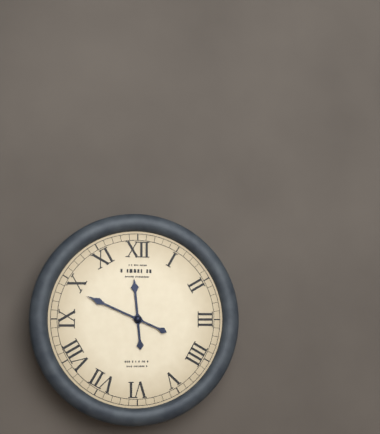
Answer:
11,49
